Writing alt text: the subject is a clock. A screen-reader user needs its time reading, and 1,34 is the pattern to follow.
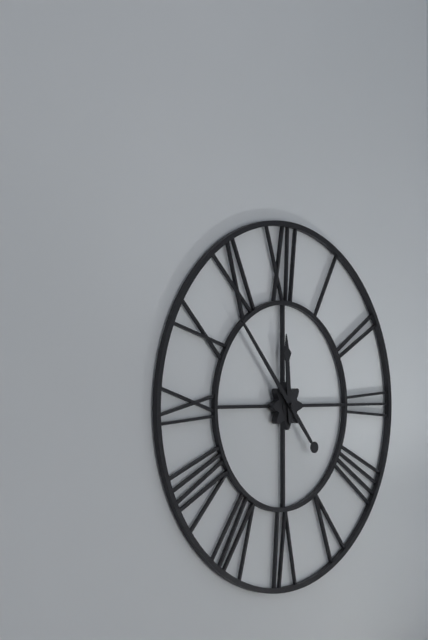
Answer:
11,53
